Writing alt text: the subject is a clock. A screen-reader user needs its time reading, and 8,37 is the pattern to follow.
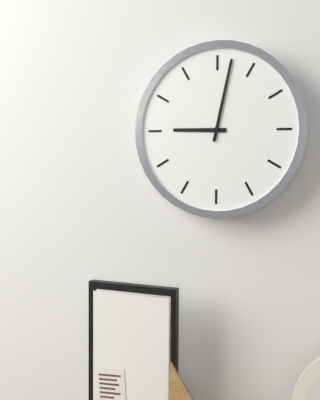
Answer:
9,02
